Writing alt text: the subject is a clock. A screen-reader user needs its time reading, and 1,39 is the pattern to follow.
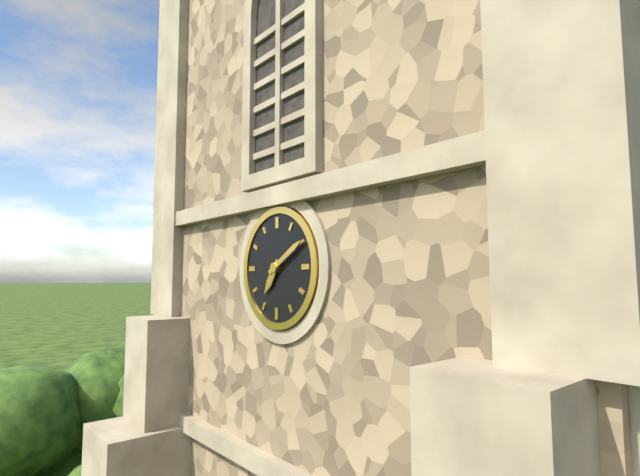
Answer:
7,10
